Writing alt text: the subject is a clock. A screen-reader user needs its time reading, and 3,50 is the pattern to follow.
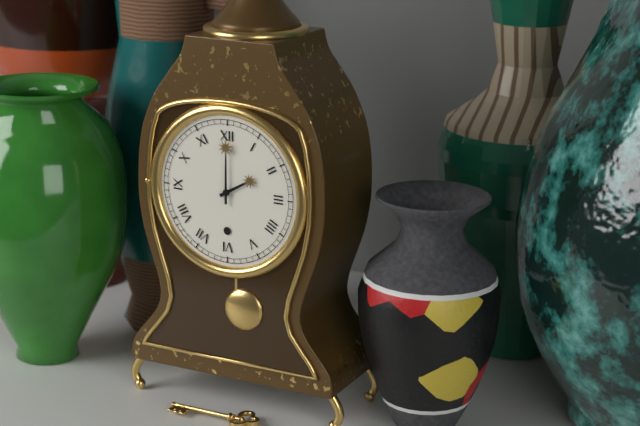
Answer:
2,00
